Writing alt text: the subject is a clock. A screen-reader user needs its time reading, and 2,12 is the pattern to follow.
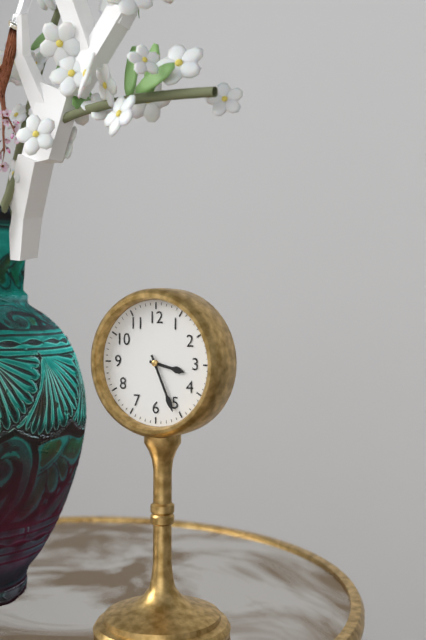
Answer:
3,26
